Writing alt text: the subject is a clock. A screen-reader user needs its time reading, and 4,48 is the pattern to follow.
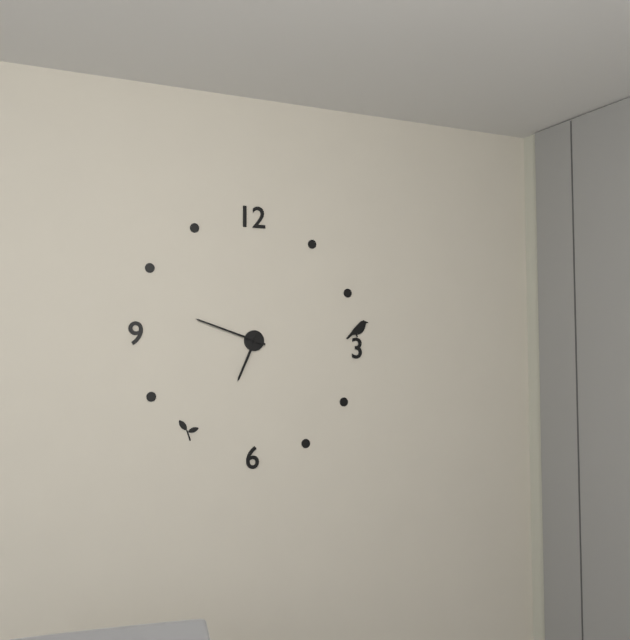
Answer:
6,48
